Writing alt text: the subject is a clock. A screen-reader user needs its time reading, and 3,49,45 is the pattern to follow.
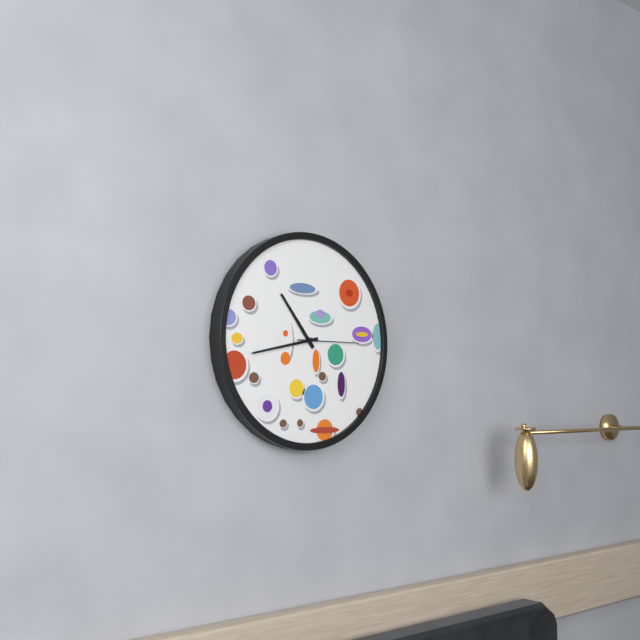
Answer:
10,43,15
